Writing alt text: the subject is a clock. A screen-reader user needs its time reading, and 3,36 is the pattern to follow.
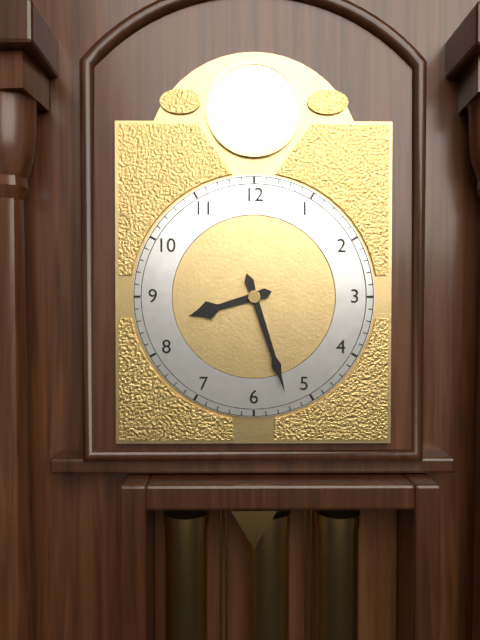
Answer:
8,27
